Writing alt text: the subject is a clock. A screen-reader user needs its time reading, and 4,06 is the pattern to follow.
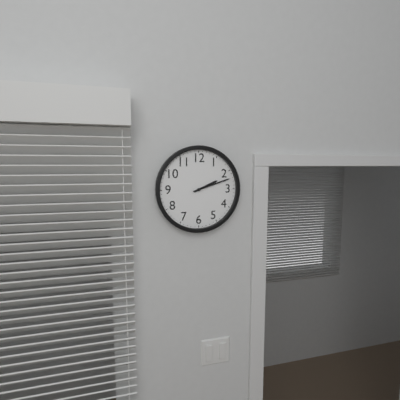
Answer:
2,12
